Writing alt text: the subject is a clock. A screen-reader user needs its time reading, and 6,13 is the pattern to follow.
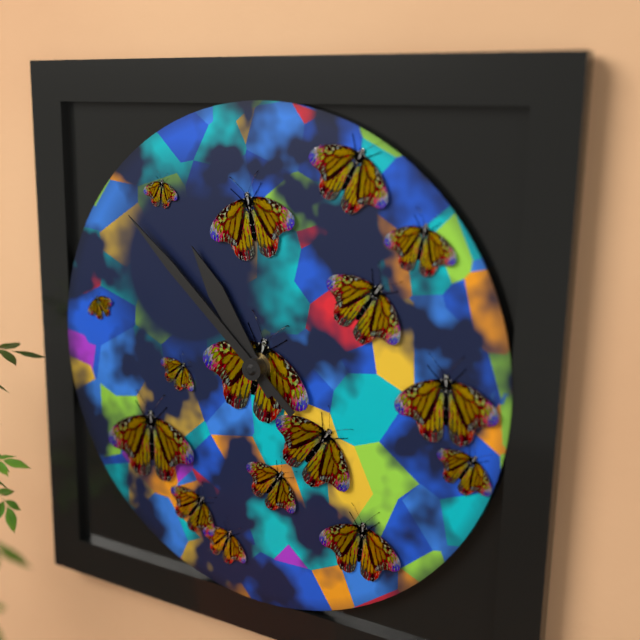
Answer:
10,52
